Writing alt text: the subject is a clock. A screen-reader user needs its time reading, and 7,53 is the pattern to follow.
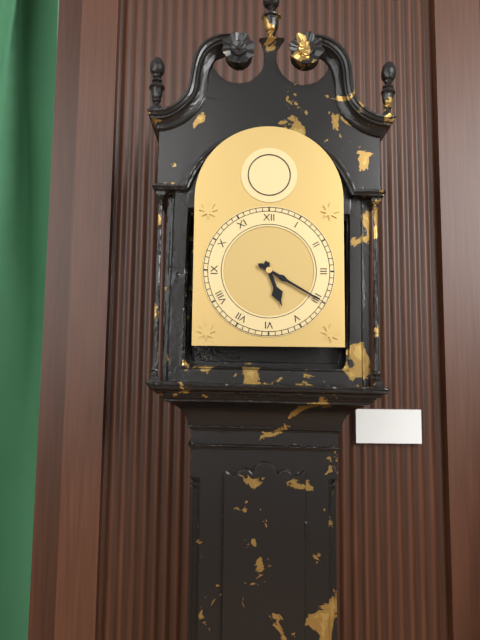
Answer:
5,20
